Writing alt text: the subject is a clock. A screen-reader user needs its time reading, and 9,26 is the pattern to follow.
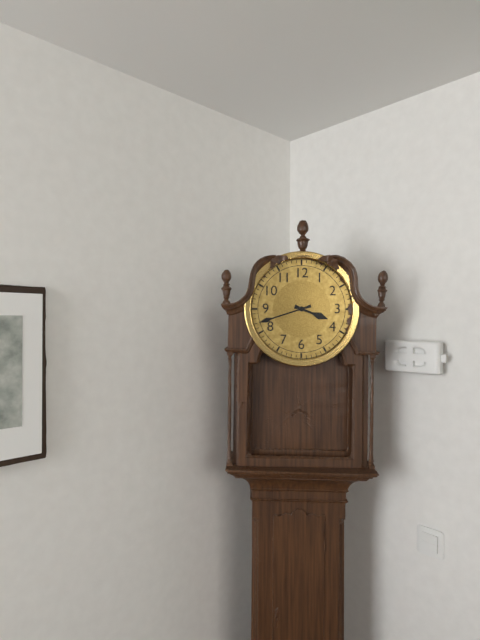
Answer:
3,42
